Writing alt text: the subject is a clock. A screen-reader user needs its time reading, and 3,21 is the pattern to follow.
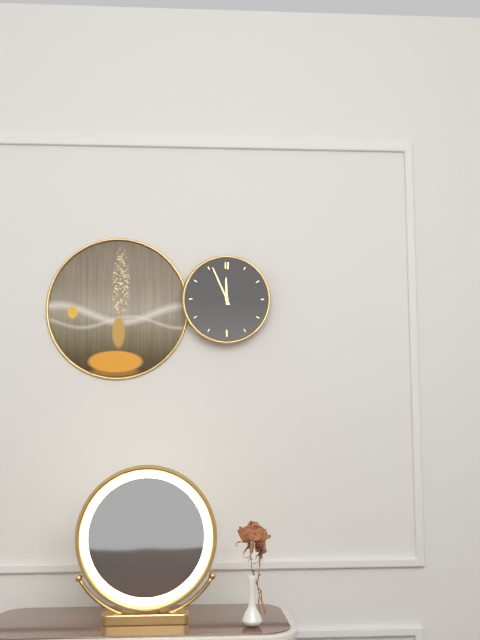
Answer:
11,56
